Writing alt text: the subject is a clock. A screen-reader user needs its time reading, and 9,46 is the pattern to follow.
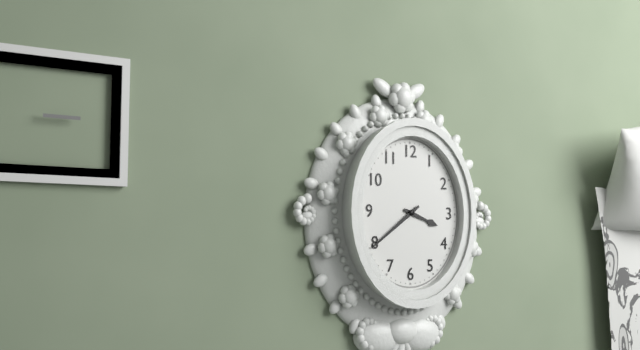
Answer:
3,39
